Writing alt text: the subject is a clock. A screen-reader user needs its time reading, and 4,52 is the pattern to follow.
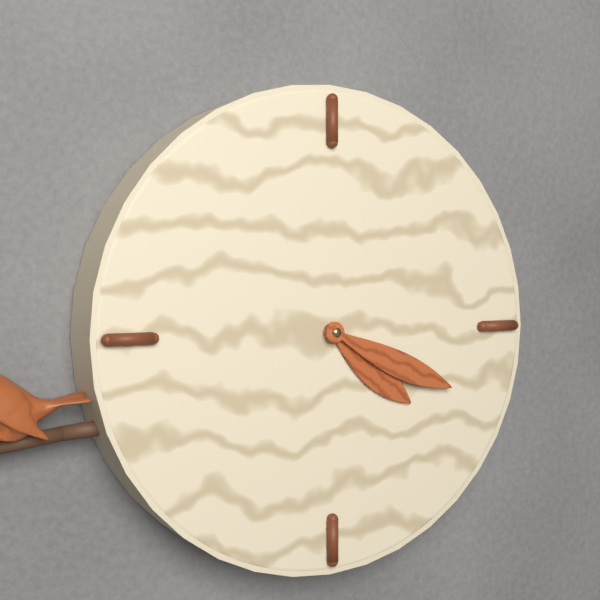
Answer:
4,19
